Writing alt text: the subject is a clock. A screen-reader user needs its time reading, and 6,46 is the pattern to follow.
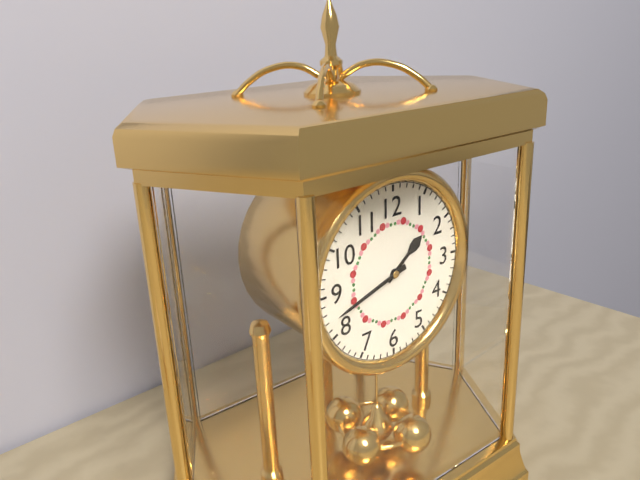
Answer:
1,42
